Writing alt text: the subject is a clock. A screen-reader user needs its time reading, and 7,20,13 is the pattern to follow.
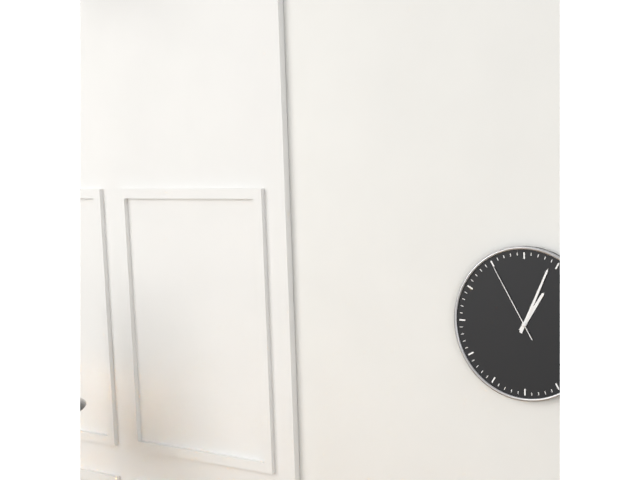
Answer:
1,04,55
